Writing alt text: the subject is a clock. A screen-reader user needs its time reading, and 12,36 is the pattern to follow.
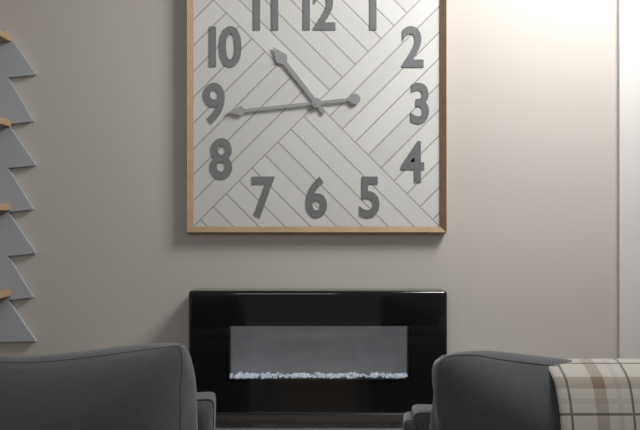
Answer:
10,44
